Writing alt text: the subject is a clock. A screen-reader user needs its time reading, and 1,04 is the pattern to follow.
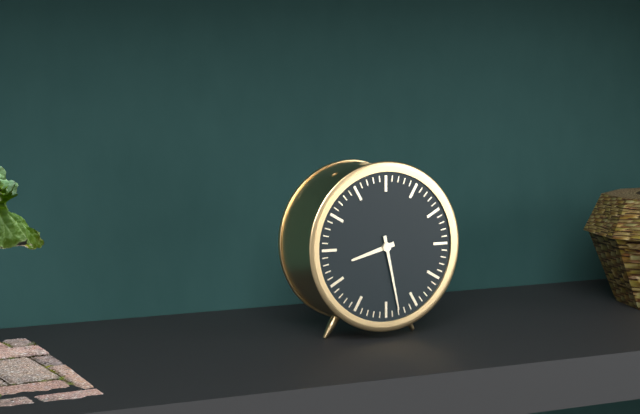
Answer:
8,28
